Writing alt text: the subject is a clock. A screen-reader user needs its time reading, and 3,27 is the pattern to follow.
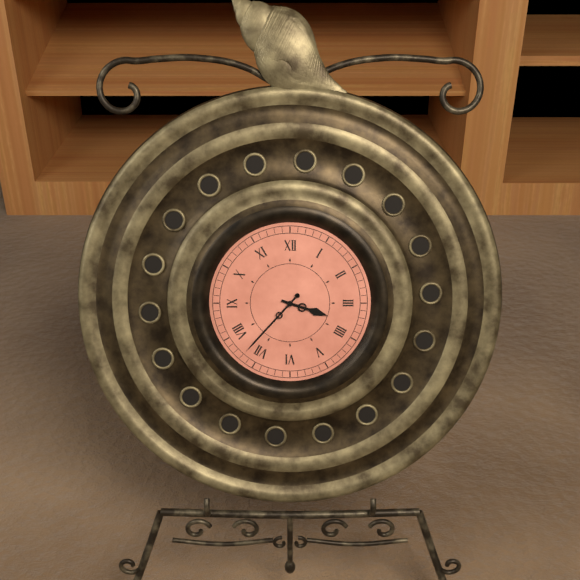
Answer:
3,37
